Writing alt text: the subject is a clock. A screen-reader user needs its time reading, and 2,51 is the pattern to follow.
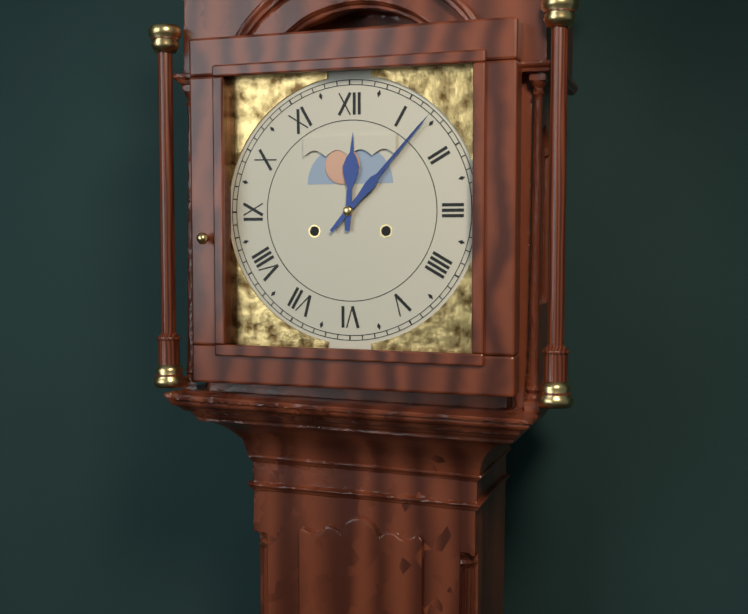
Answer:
12,07
